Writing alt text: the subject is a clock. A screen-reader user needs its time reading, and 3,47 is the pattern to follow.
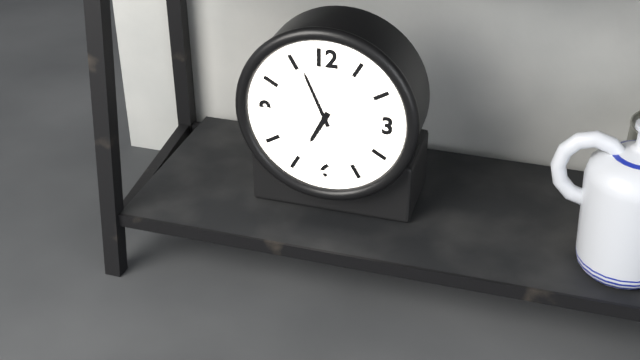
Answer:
6,56
